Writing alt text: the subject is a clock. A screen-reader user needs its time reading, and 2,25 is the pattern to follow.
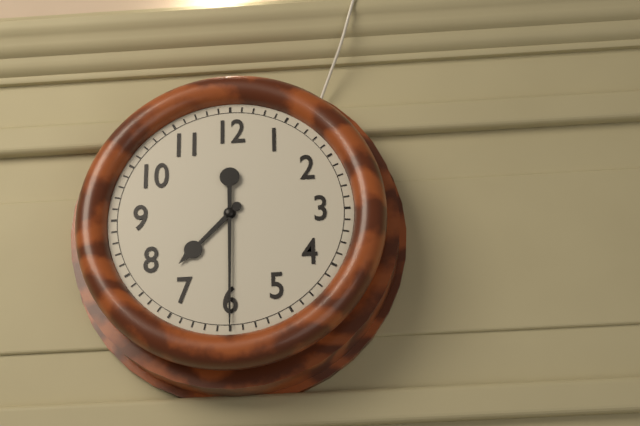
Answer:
7,30
